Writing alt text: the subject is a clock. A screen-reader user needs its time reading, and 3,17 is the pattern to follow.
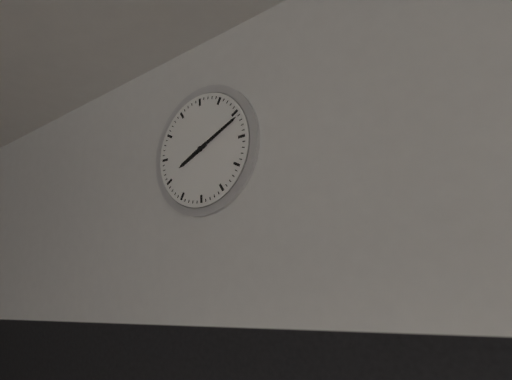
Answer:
8,11
